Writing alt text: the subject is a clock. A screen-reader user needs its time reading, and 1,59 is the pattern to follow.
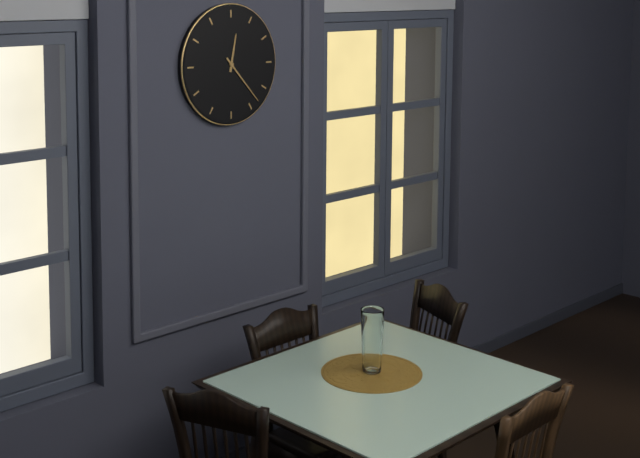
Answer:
12,23
